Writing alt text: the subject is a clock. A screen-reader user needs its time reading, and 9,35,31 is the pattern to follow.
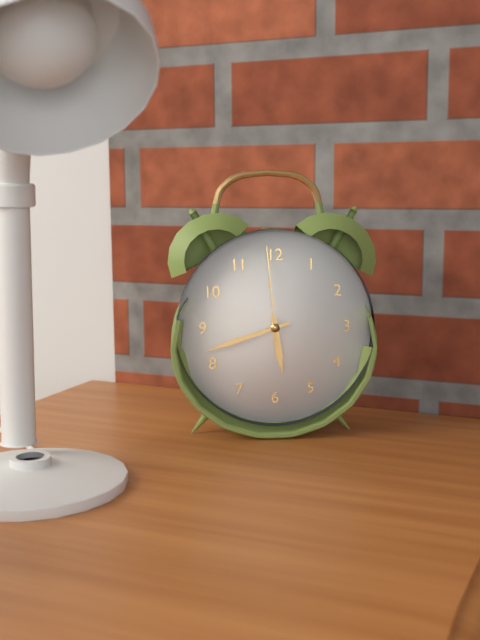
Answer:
5,42,59
